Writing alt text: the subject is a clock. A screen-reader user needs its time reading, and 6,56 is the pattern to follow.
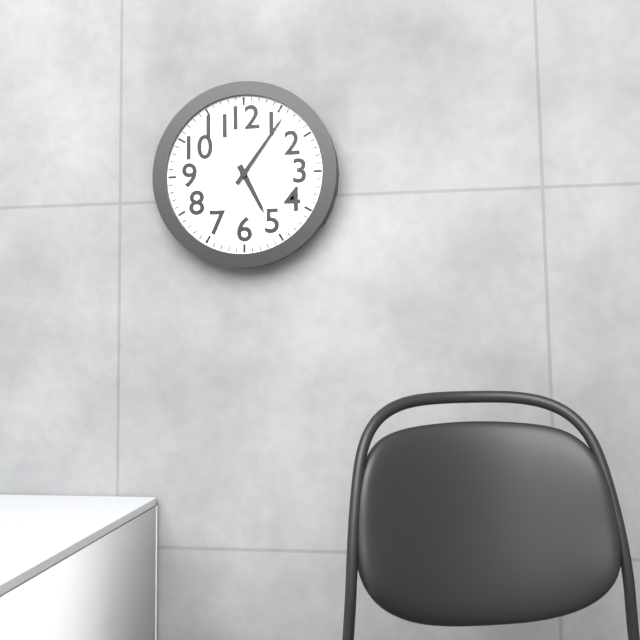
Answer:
5,06
